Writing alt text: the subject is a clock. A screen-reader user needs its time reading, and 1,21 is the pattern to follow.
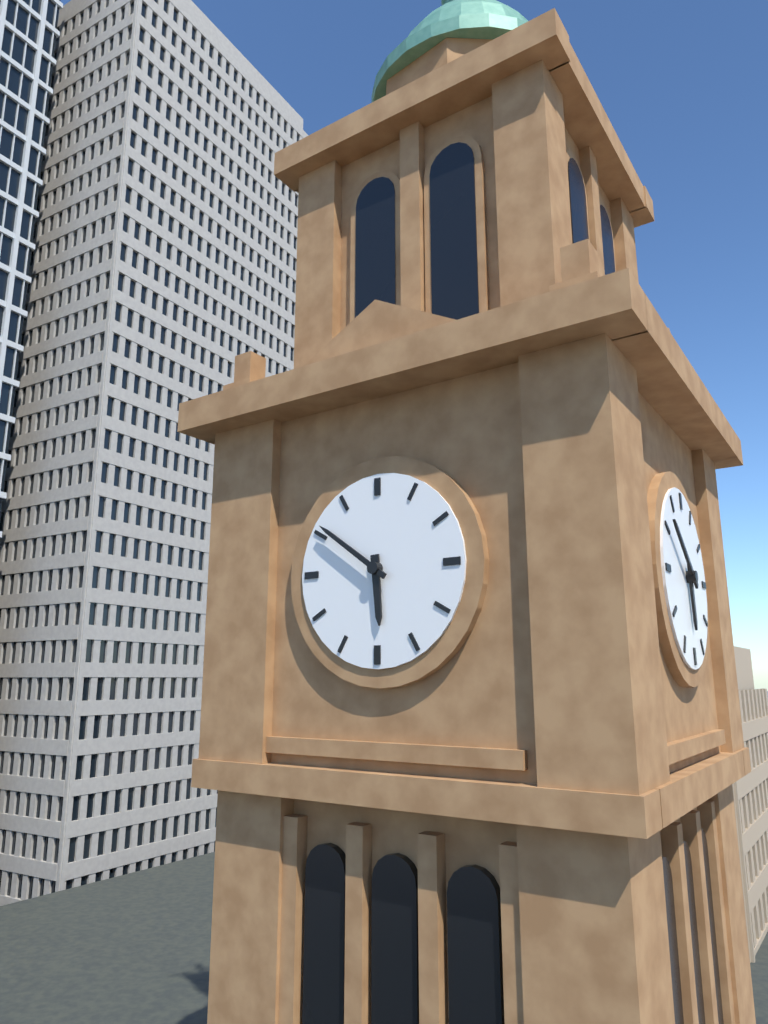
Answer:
5,51
